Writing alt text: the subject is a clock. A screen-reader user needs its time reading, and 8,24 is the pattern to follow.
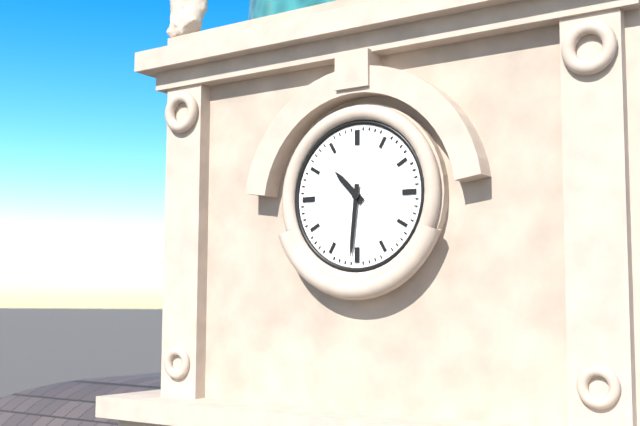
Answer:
10,31
